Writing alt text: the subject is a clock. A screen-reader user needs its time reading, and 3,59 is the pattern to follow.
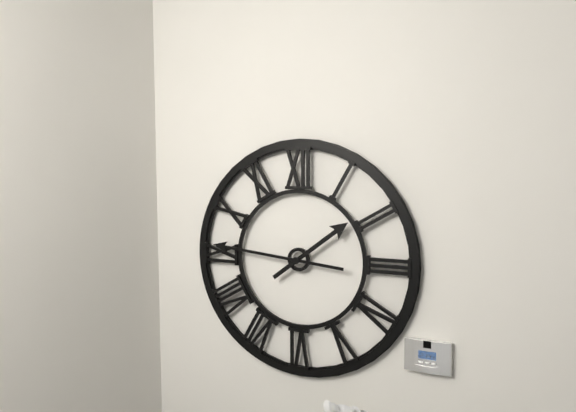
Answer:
1,46
